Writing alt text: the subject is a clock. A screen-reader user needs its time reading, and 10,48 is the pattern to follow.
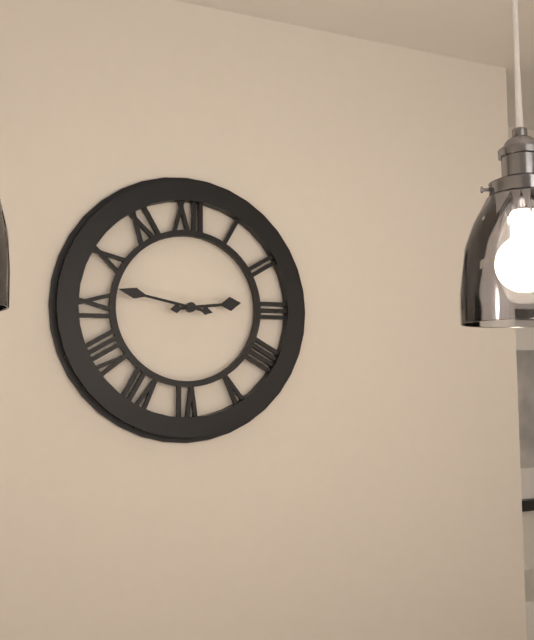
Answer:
2,47
